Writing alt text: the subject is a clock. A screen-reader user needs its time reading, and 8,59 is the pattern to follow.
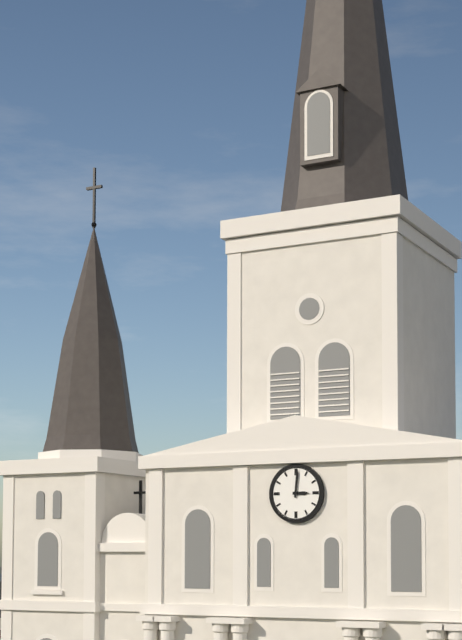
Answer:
3,01
